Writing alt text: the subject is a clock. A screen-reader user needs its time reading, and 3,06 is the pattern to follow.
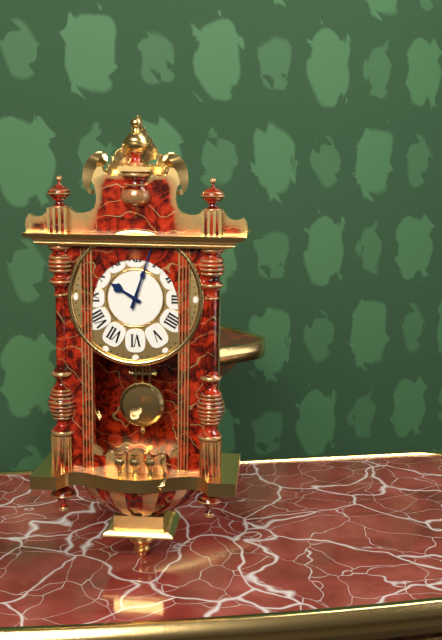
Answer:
10,03
